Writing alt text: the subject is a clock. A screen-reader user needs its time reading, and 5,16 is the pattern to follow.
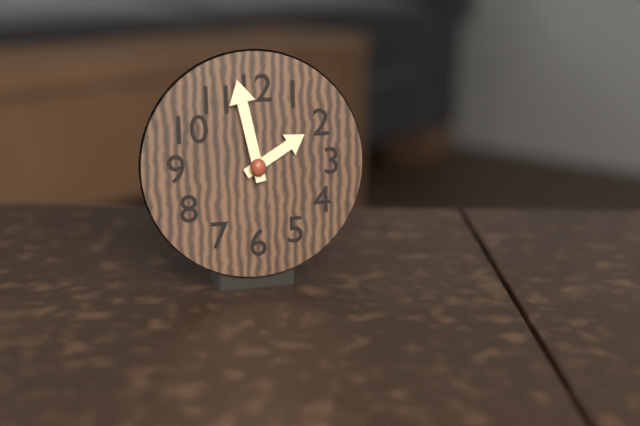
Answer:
1,58
